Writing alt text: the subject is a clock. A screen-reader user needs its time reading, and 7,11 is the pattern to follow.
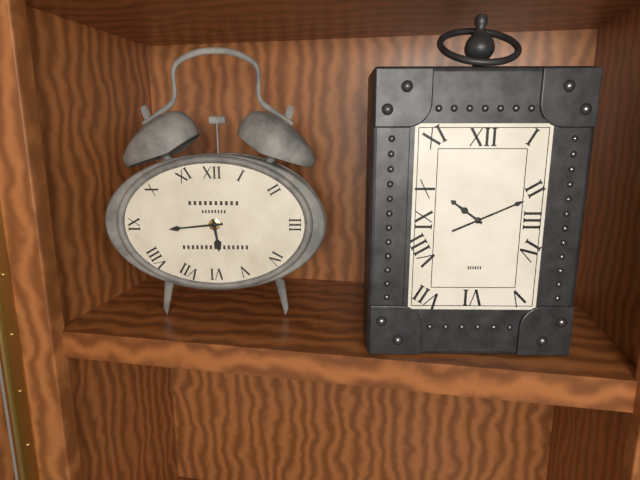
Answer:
5,44
